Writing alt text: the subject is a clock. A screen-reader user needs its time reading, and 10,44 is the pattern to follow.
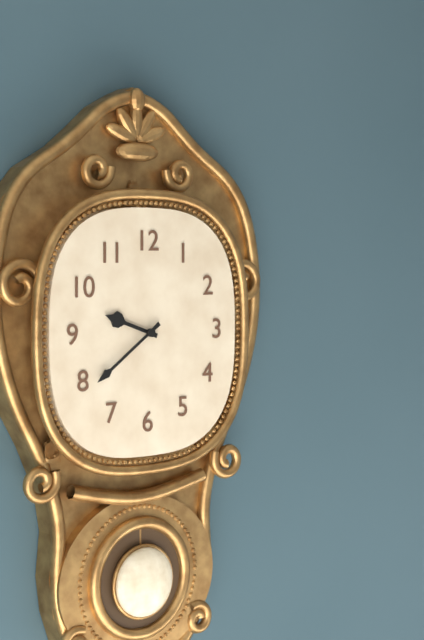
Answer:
9,39
